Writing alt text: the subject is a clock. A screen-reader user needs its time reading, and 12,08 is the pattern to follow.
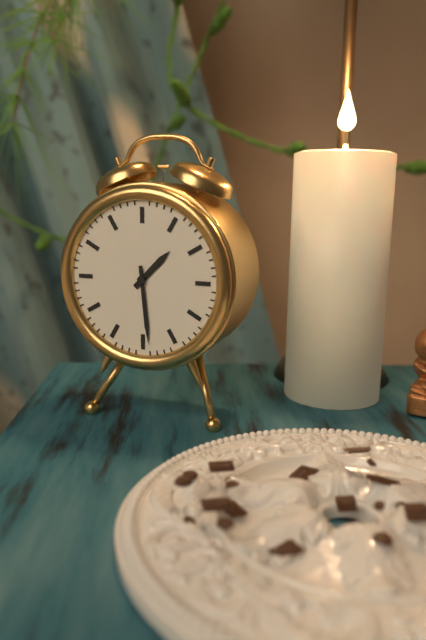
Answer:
1,29
